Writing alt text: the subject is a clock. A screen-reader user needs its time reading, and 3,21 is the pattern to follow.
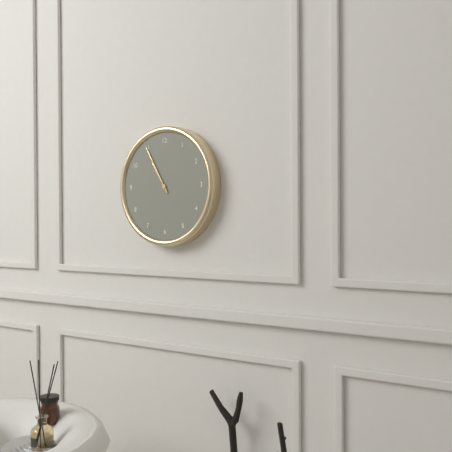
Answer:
10,55
